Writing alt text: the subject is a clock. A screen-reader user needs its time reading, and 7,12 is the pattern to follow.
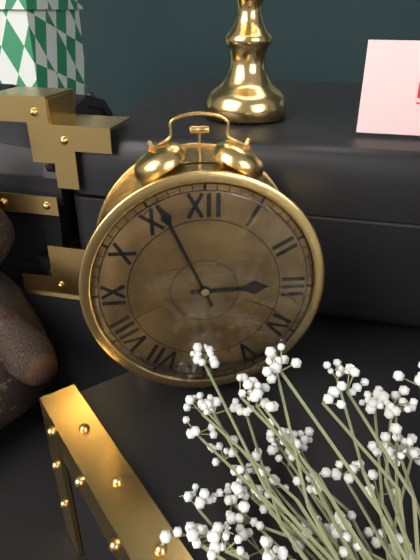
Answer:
2,56
